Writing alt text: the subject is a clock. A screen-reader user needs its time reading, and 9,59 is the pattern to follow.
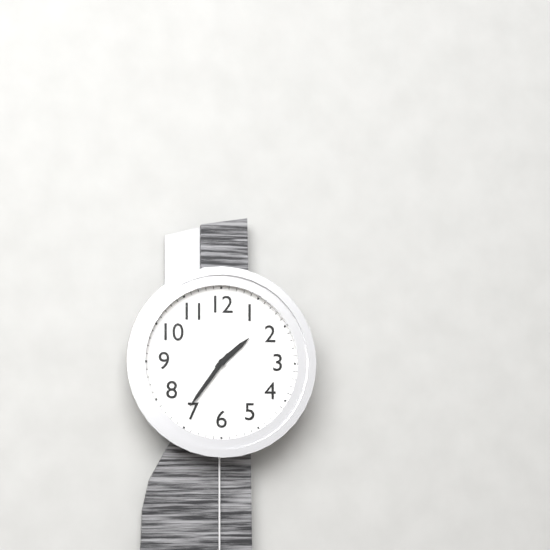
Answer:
1,36
